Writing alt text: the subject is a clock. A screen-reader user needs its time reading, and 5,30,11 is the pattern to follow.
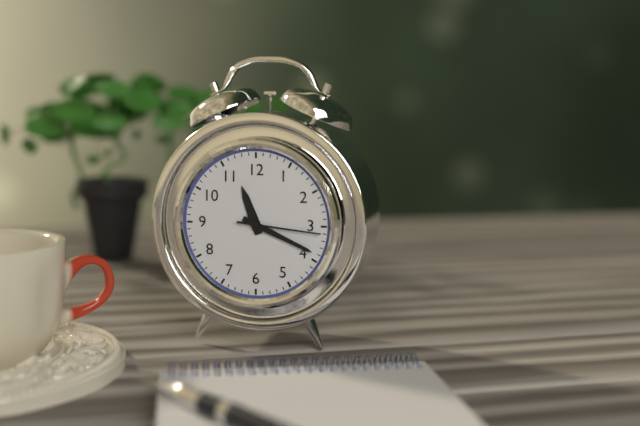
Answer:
11,19,16
